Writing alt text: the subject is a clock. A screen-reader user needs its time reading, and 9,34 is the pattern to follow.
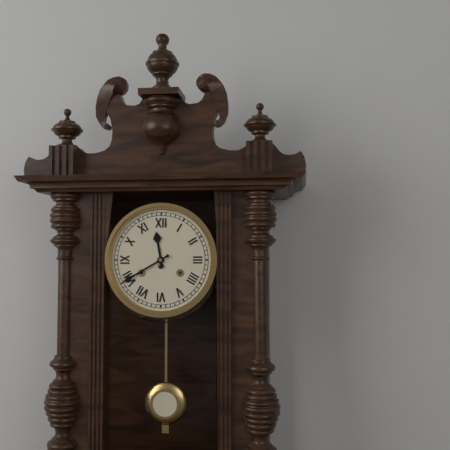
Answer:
11,40
